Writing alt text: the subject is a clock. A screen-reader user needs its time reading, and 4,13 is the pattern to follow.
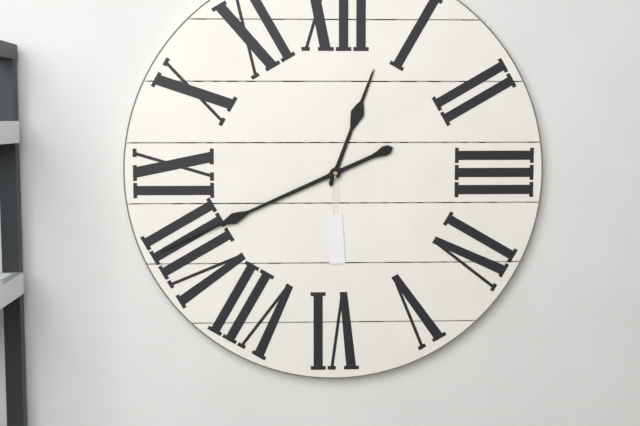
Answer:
12,41
